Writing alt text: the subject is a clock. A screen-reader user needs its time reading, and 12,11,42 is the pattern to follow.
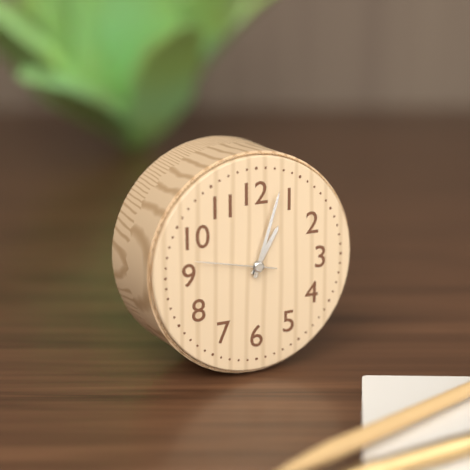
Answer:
1,03,47
